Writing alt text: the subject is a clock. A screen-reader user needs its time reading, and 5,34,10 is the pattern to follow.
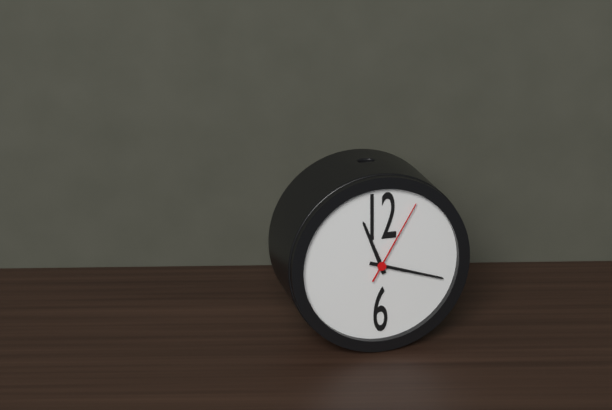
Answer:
11,18,05
